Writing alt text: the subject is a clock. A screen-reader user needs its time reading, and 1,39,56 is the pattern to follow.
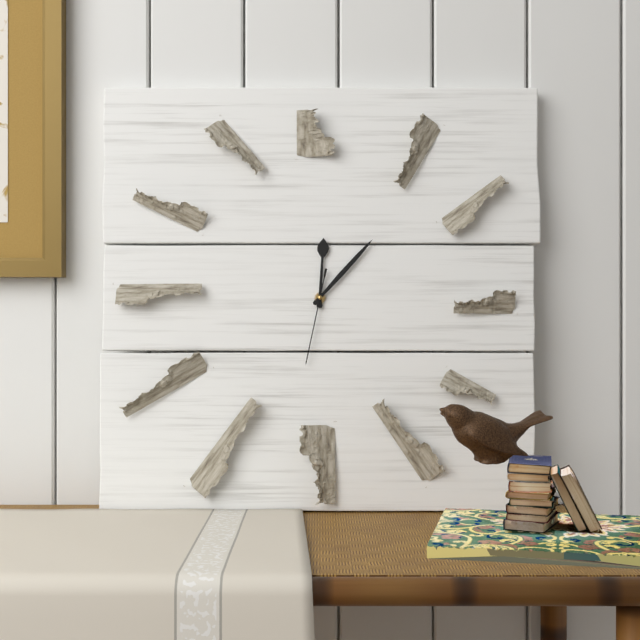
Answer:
12,07,32
